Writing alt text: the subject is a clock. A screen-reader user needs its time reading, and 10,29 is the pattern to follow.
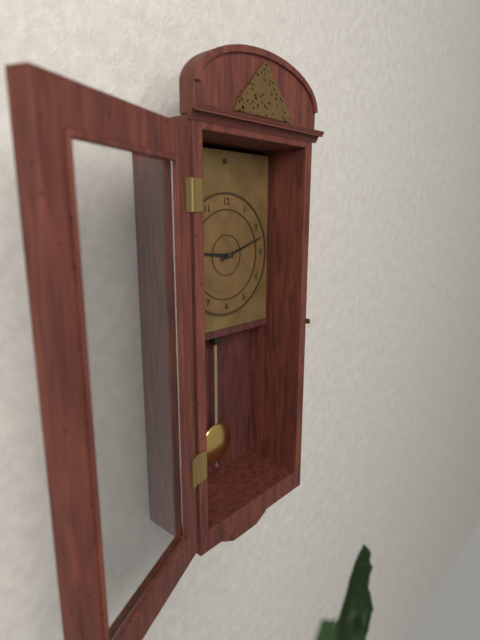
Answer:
9,12
